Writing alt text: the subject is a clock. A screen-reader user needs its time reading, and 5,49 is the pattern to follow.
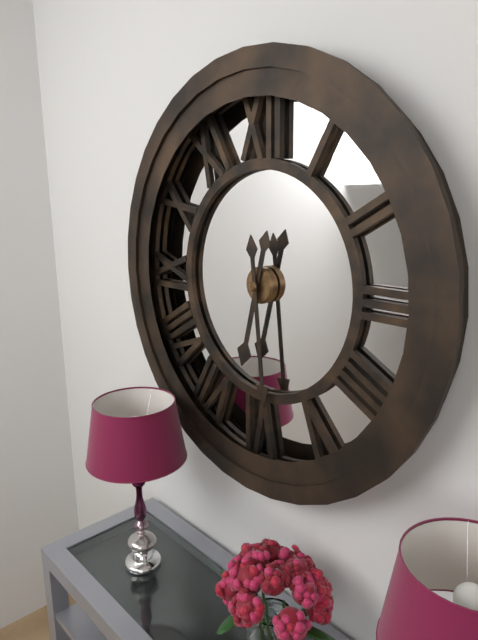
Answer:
6,29
